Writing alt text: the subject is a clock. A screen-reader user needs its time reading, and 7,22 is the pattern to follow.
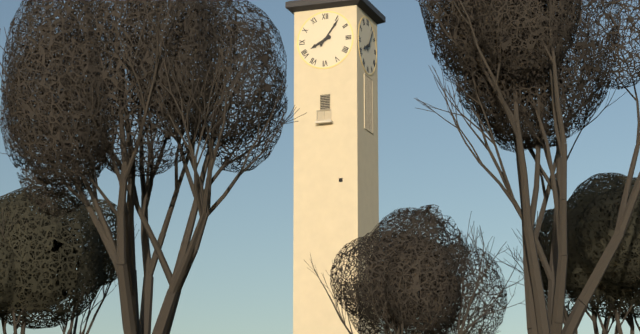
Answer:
8,06
